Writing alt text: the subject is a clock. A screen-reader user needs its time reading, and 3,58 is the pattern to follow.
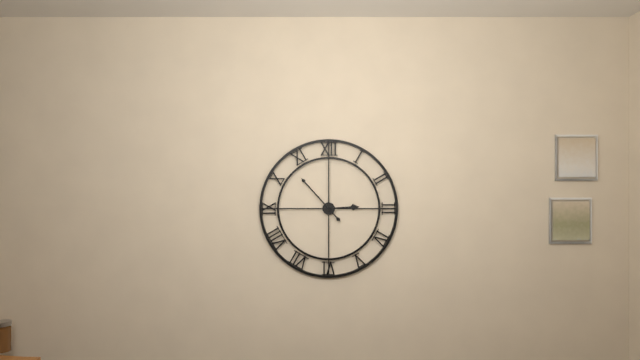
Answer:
2,53
